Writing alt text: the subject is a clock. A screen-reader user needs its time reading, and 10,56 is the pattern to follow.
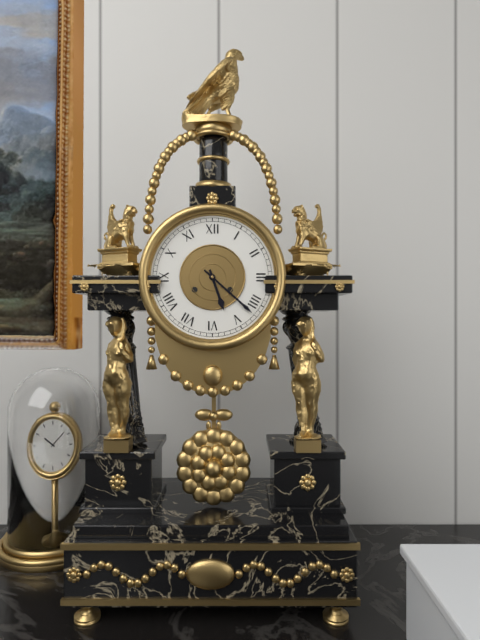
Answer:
5,22
